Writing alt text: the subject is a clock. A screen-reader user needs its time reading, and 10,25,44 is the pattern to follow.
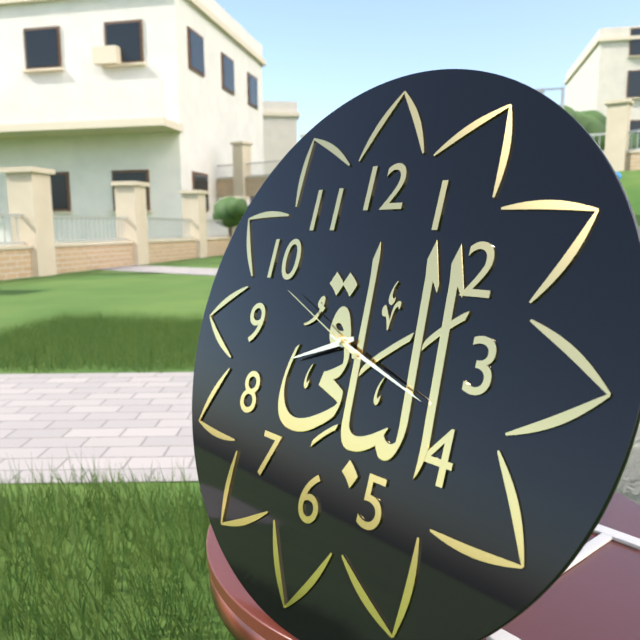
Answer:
8,18,49
